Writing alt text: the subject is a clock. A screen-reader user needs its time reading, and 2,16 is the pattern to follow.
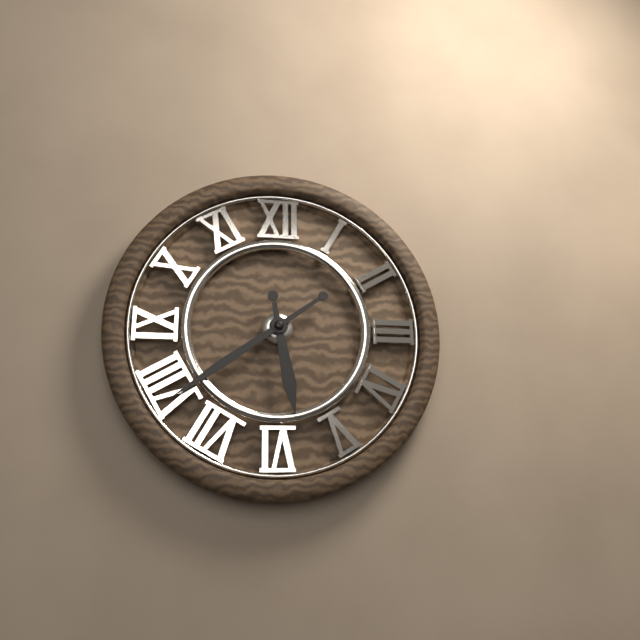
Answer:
5,39
